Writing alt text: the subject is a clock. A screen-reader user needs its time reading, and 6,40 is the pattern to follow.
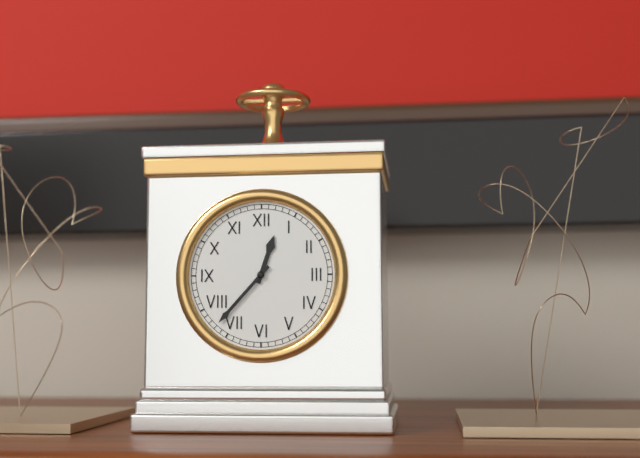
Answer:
12,37
